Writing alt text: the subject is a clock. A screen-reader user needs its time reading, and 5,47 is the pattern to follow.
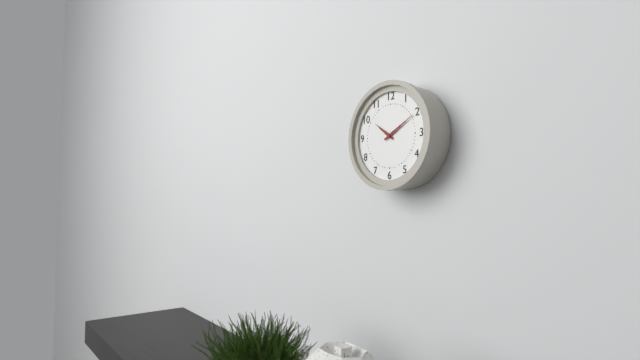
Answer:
10,10
